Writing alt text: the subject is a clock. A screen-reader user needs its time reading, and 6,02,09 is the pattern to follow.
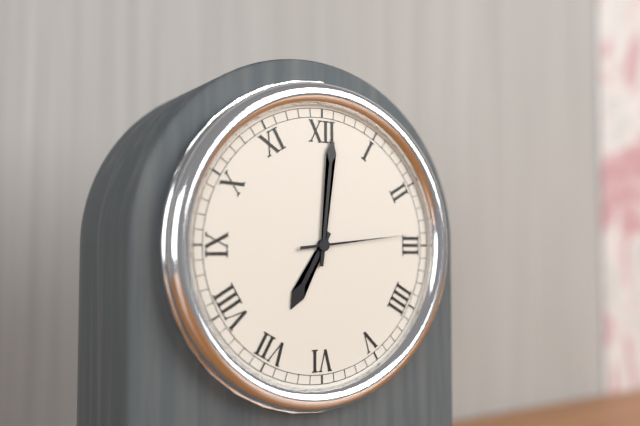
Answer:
7,01,14
